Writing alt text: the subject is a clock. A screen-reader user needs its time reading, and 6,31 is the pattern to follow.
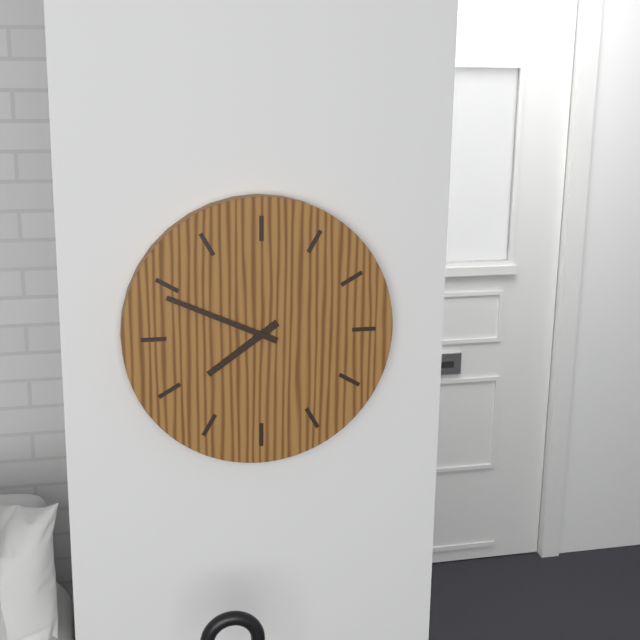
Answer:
7,49
